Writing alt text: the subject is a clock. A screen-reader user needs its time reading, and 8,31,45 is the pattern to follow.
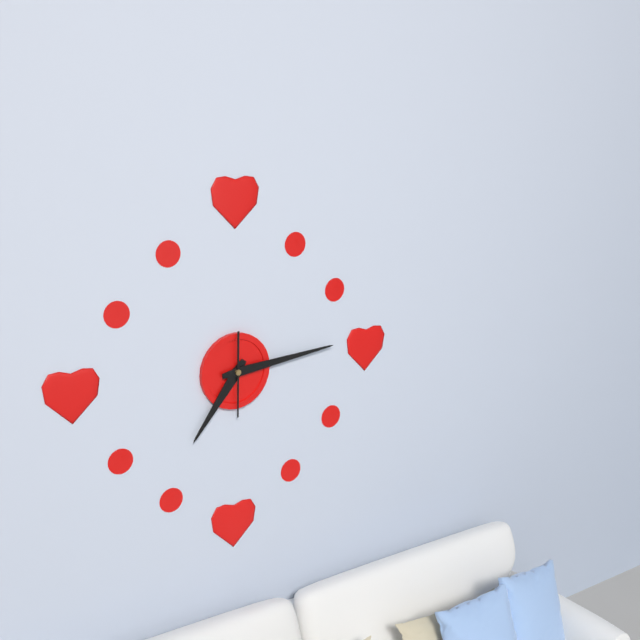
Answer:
7,14,30
